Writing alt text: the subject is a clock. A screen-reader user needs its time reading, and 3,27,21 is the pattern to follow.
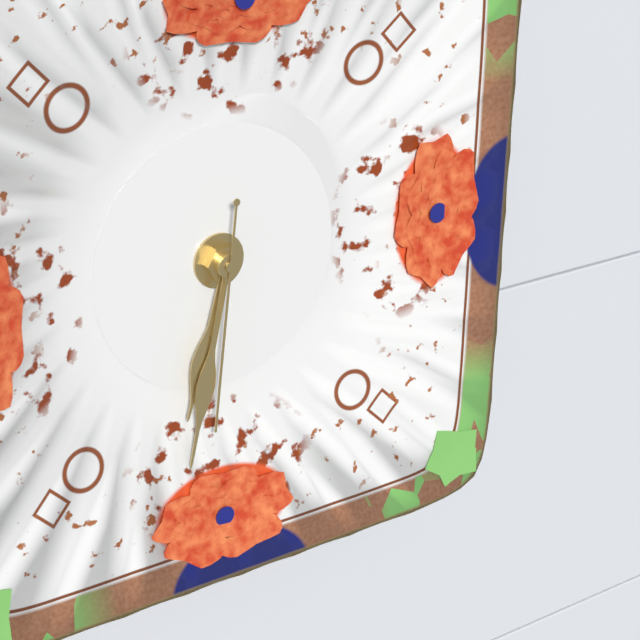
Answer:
6,32,31
